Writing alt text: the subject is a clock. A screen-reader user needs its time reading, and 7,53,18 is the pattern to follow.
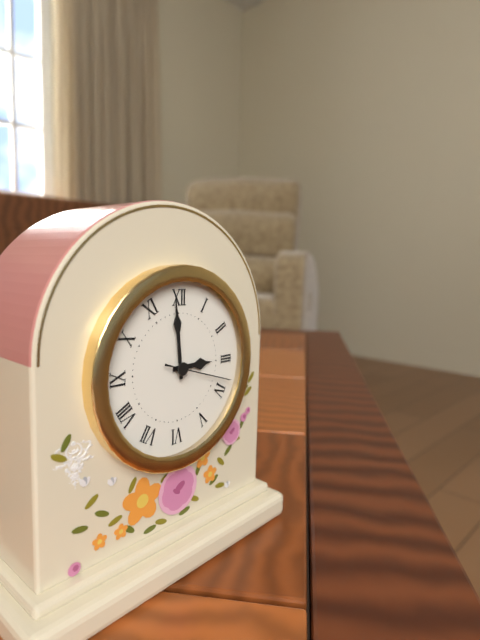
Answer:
2,59,18
